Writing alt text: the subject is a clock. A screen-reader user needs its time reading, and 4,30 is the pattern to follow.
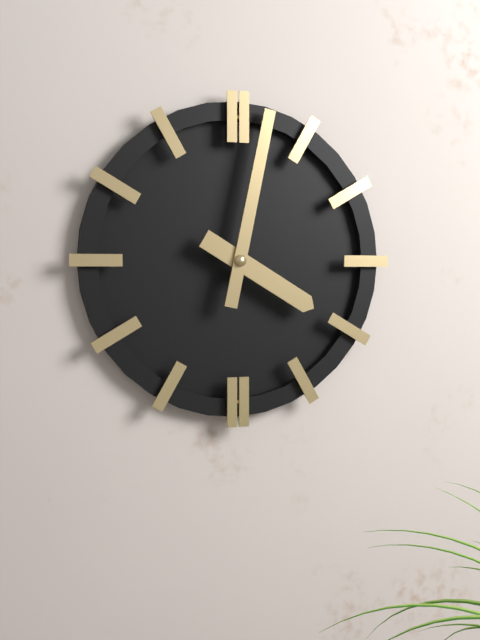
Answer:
4,02
